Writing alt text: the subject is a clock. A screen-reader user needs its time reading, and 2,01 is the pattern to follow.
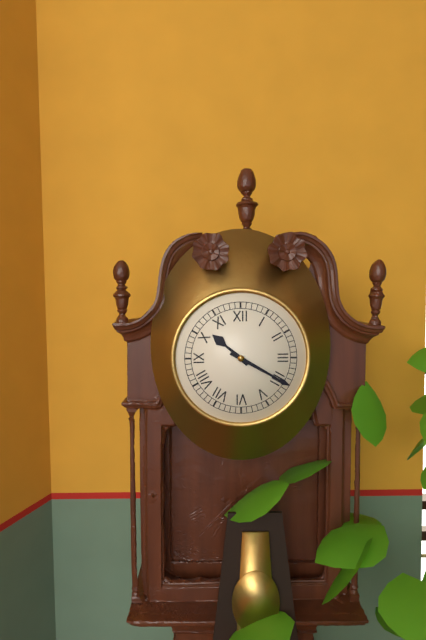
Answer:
10,20
